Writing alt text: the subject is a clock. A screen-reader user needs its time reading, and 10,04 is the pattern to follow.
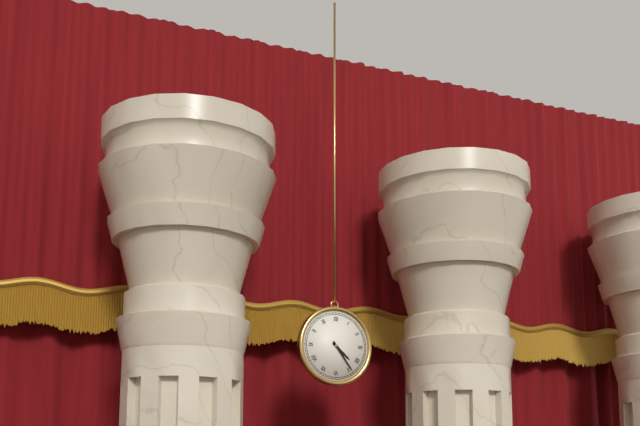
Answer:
4,24
